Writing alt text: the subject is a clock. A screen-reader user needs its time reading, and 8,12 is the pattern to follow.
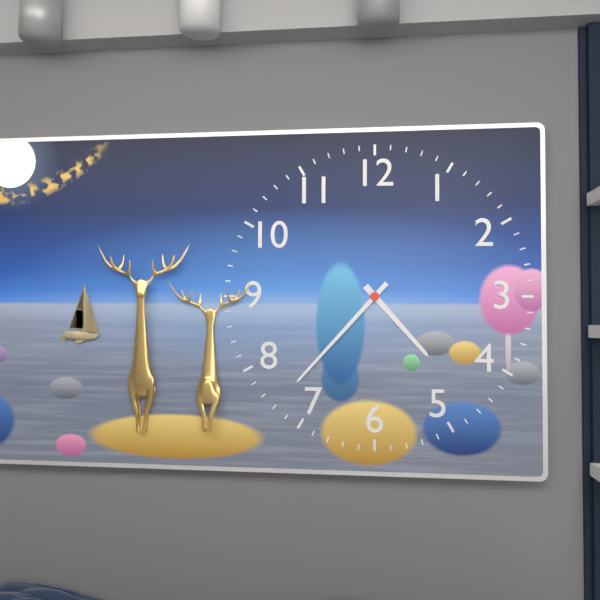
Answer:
4,37
